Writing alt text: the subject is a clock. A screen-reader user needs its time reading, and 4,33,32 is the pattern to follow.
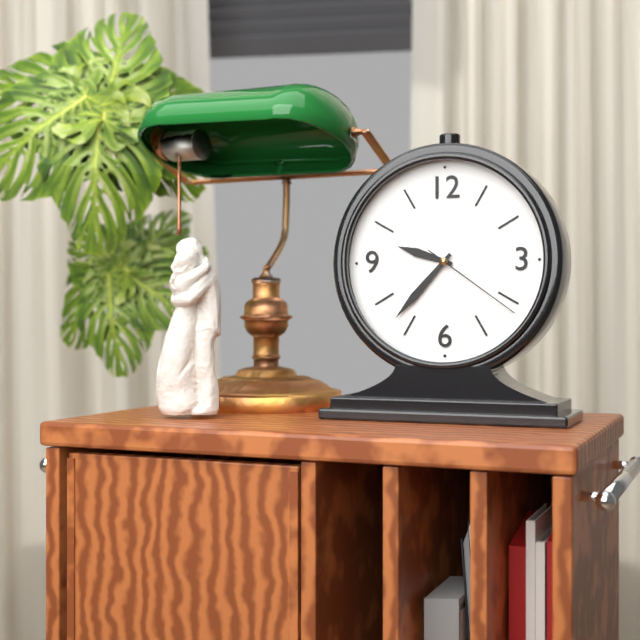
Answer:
9,37,21
